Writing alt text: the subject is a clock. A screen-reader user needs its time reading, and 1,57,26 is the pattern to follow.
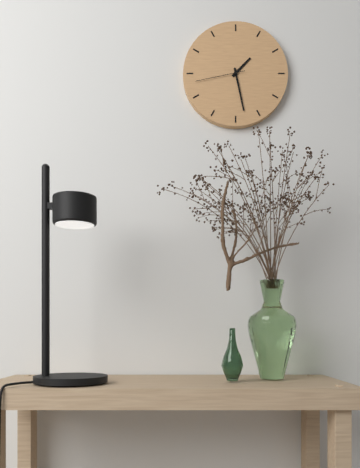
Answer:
1,28,43
